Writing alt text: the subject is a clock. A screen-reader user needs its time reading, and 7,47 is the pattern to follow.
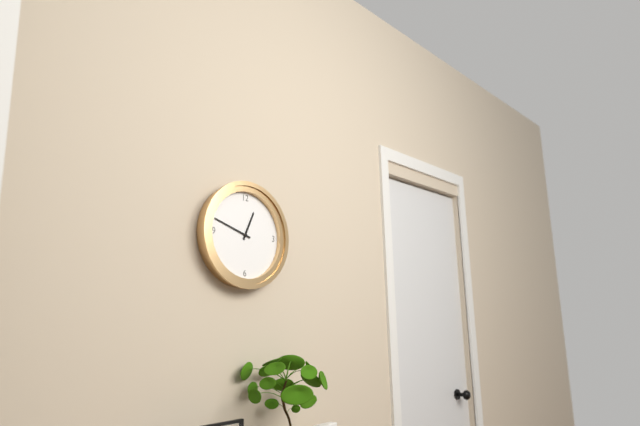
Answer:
12,48
